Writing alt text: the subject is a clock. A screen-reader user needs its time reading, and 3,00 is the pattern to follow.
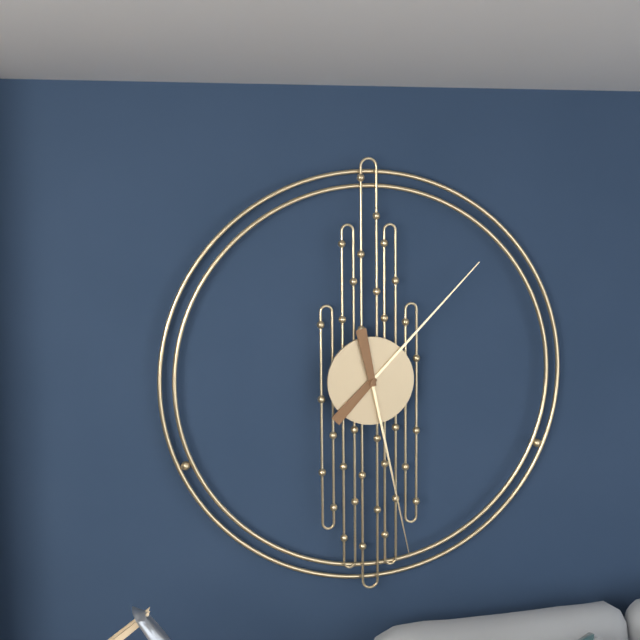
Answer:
1,28
